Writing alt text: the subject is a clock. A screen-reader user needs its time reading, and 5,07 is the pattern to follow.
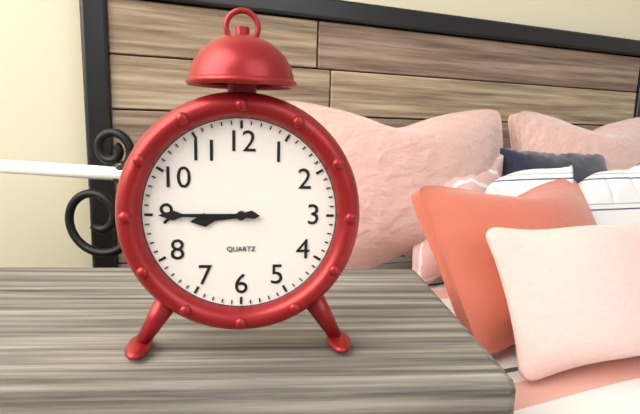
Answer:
8,45
